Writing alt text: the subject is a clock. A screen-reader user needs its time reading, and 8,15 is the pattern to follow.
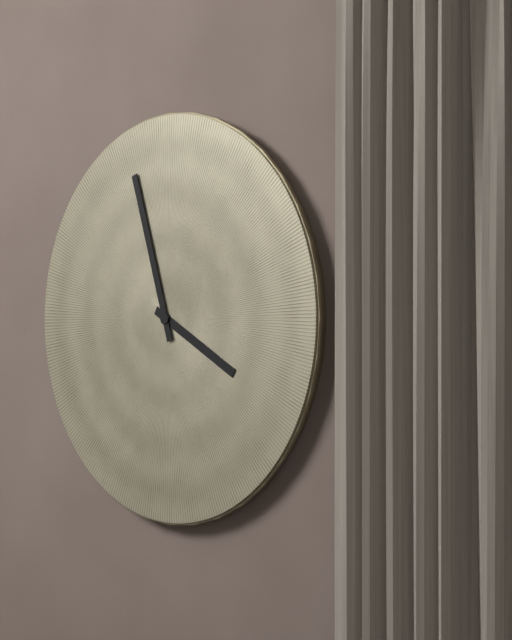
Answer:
3,57
